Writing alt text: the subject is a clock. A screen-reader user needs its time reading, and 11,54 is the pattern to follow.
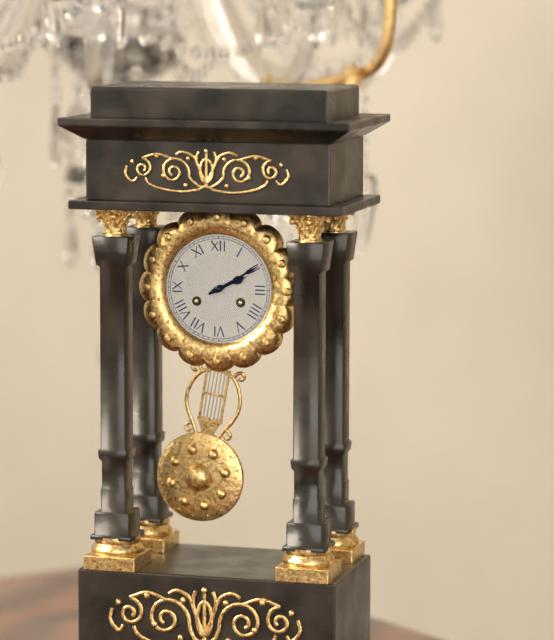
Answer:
2,10
